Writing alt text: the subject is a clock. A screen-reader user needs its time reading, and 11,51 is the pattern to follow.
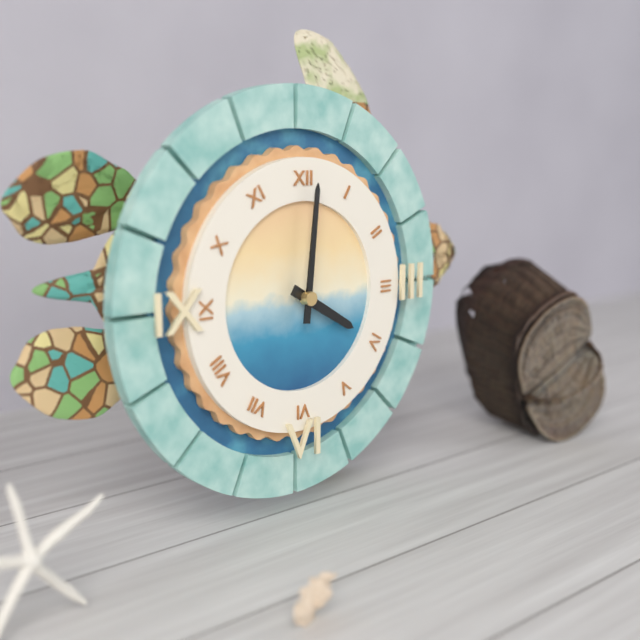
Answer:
4,01
